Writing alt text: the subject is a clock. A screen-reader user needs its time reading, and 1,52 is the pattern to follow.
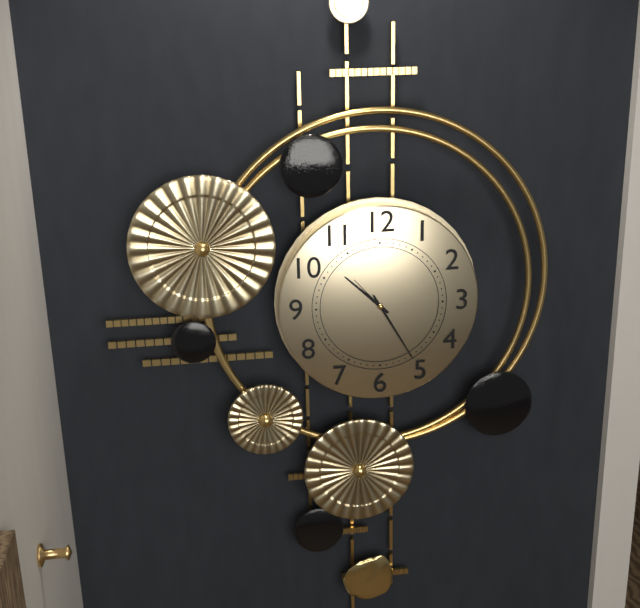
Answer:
10,25
